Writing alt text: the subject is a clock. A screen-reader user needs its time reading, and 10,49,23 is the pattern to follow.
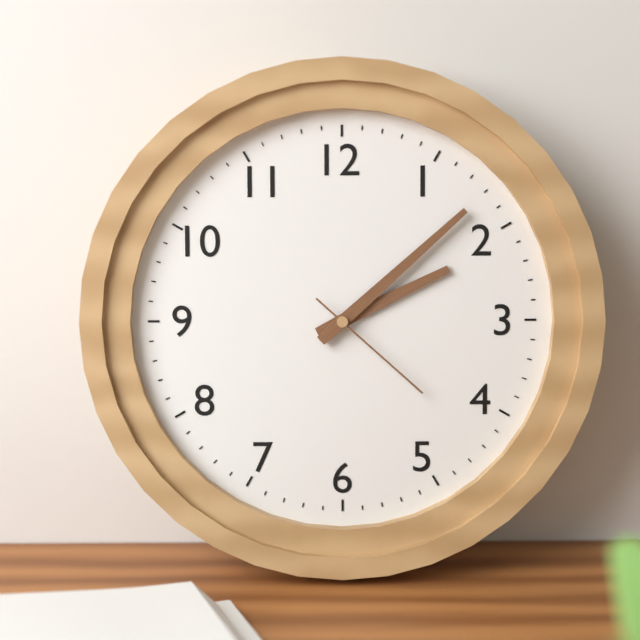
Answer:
2,08,22
